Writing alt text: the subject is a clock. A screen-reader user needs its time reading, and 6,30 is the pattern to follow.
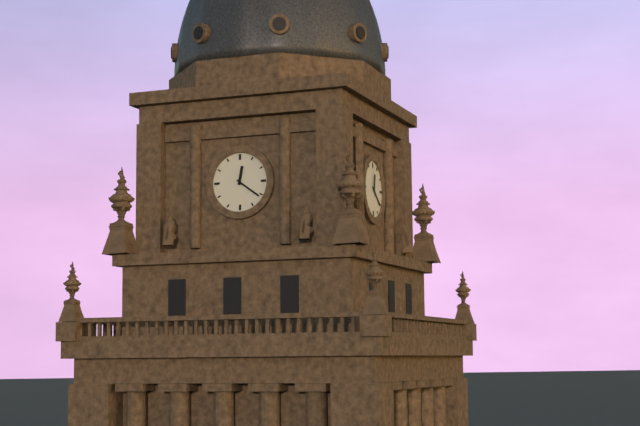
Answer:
12,21
